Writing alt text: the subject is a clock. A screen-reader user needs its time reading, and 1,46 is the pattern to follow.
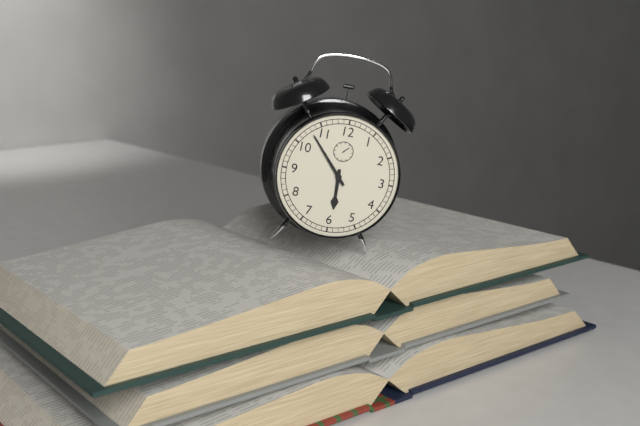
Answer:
5,53
